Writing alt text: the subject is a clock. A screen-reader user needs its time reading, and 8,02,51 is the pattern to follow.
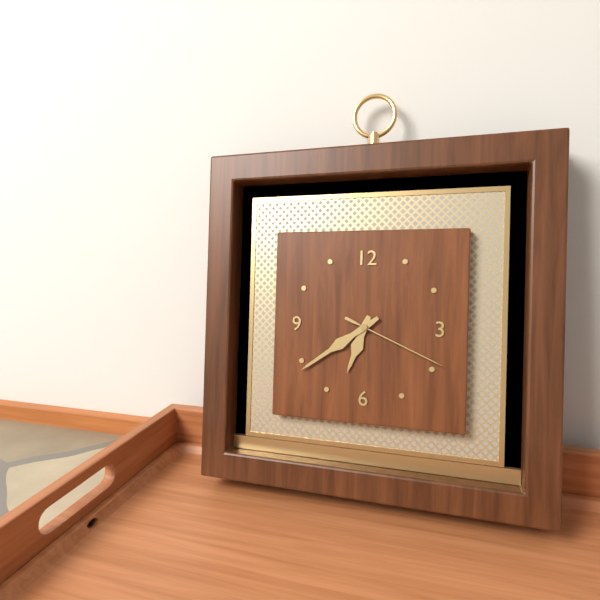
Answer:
6,39,19
